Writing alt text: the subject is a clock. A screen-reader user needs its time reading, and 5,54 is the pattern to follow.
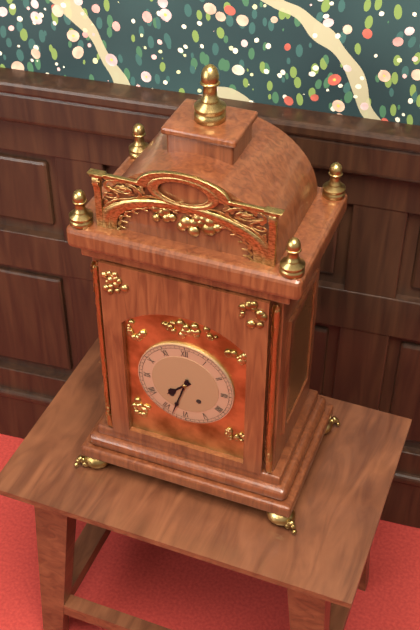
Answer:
7,33
